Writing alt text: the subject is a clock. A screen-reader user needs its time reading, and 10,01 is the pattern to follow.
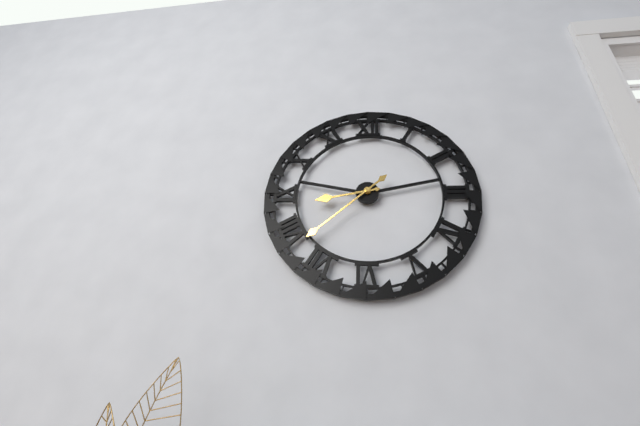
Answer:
8,38
